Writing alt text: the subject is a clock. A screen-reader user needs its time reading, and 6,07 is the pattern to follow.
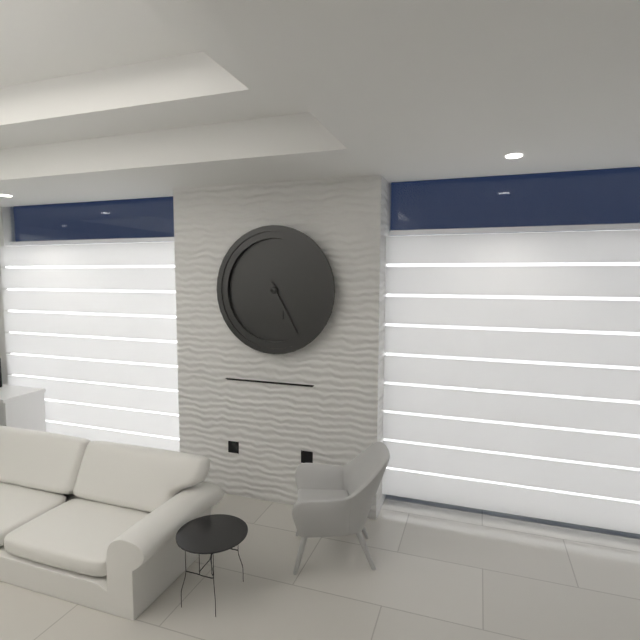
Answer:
5,25
